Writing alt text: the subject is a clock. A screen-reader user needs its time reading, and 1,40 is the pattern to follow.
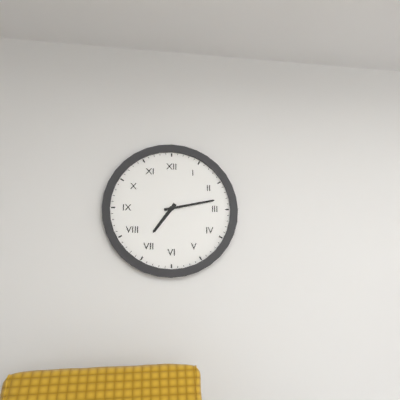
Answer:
7,13
